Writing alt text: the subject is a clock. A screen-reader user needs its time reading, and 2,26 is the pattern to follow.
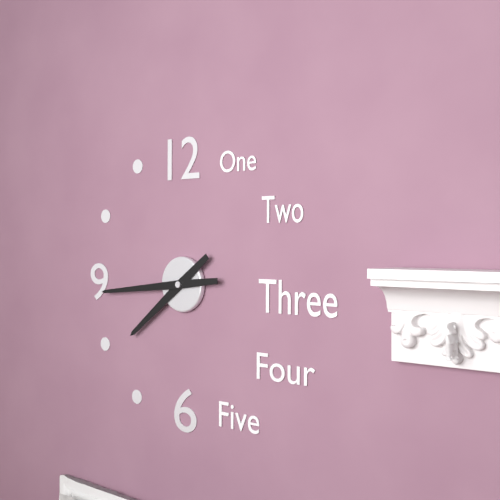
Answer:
7,44
